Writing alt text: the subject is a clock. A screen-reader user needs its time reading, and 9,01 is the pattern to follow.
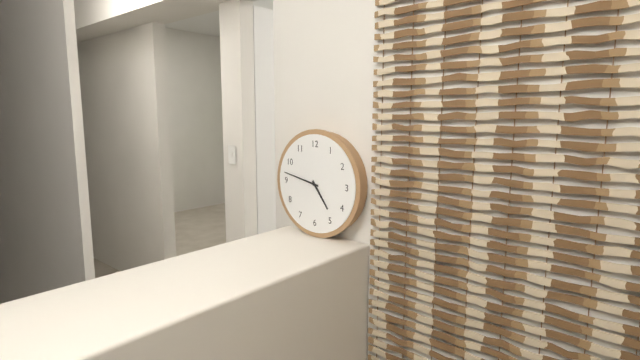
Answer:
4,47
